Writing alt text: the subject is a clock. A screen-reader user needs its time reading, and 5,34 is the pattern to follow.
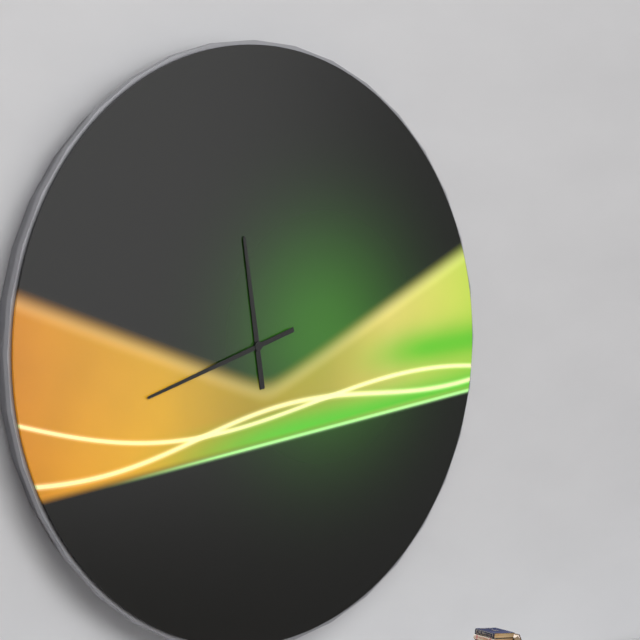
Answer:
11,42
